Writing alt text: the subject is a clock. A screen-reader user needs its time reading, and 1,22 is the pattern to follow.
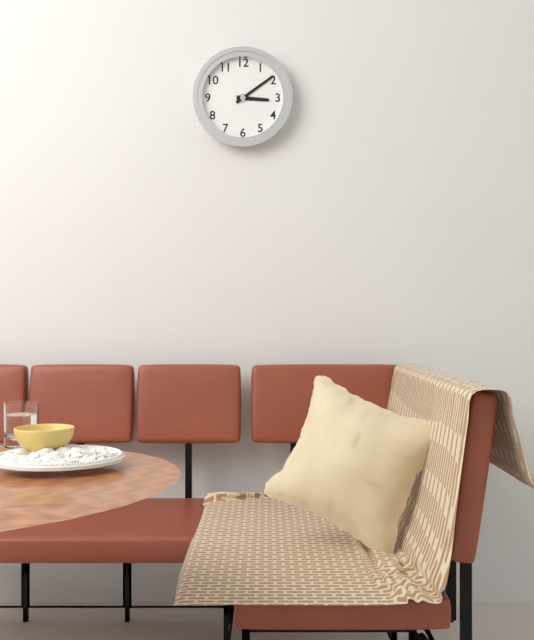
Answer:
3,09
